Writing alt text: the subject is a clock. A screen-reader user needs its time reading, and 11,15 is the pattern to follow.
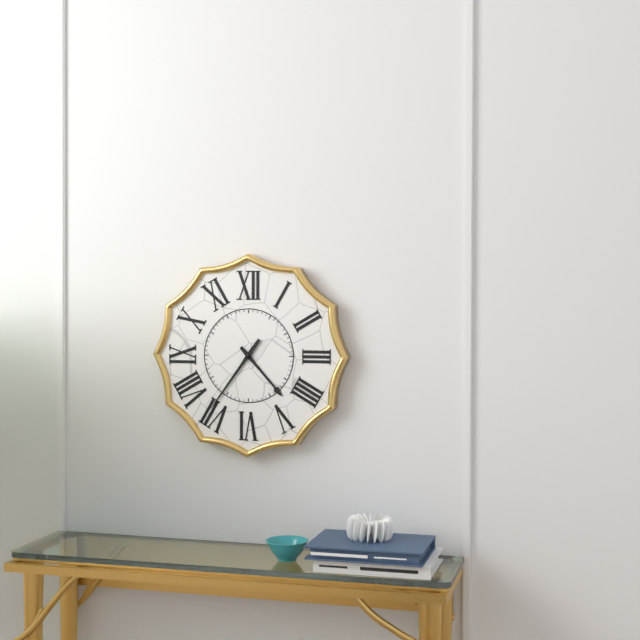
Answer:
4,36
